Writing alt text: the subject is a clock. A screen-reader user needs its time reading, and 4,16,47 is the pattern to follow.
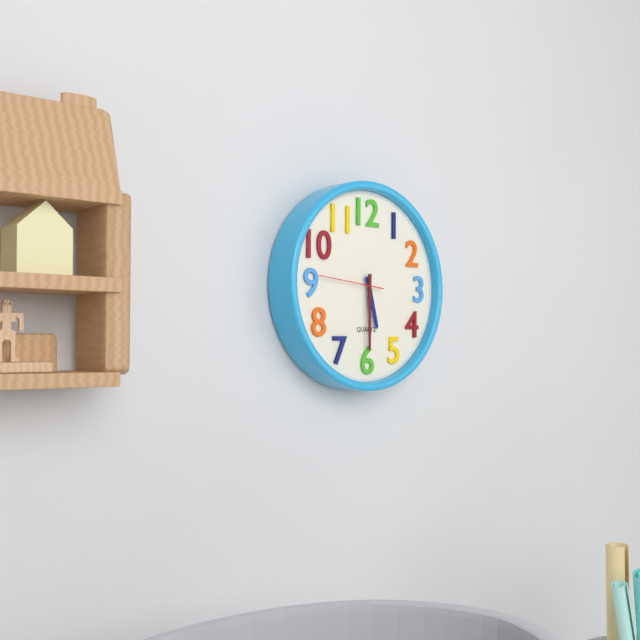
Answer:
5,30,46
